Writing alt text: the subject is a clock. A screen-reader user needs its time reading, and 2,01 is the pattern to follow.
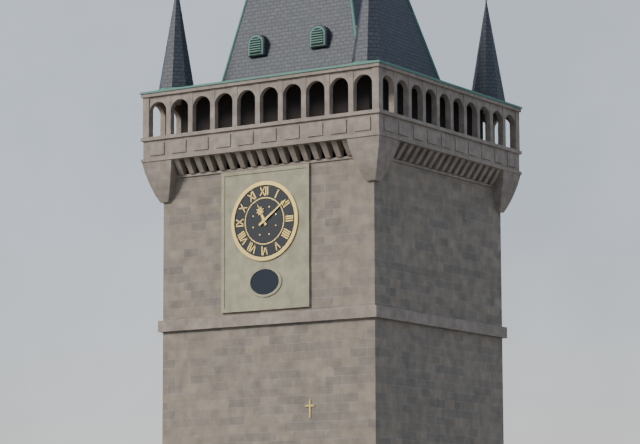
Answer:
11,09
